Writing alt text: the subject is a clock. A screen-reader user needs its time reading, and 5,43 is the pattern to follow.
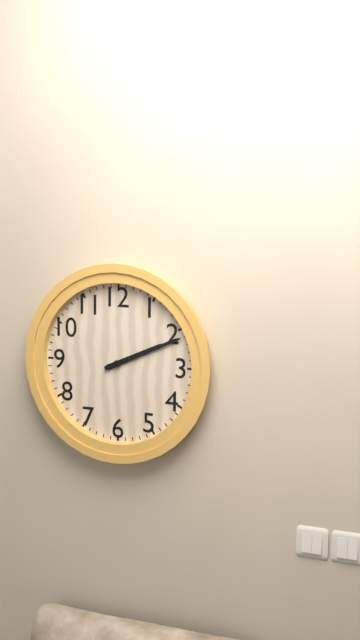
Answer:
2,11
